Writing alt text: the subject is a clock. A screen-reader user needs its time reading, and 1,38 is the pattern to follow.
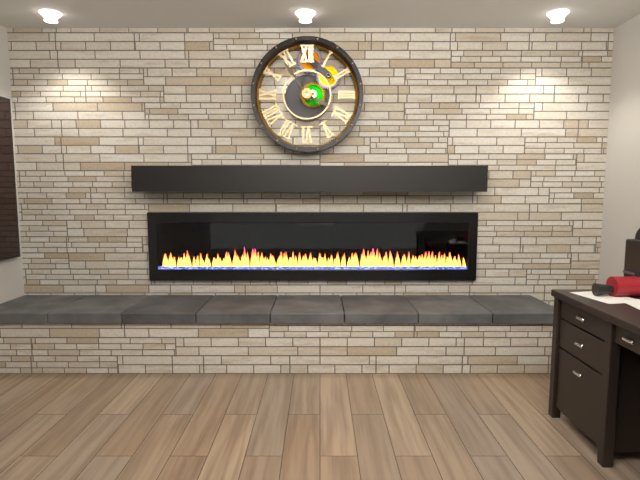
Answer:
3,54
